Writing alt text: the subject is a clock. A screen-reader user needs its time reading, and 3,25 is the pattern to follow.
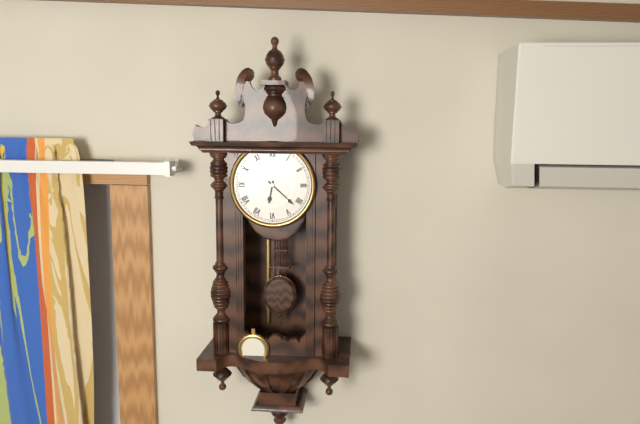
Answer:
6,22
